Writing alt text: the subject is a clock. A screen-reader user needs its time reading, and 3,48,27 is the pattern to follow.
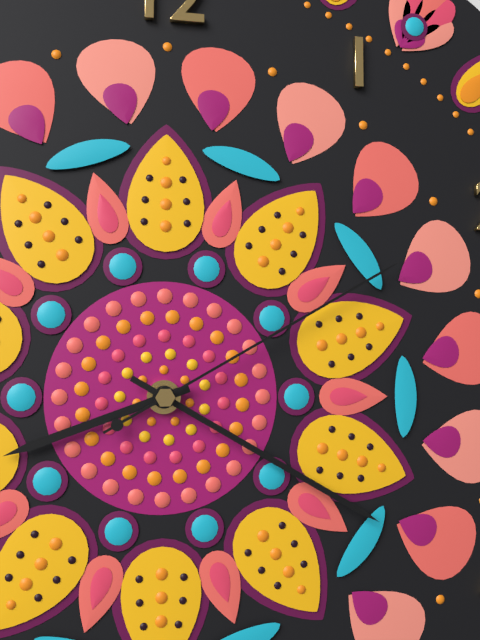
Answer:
8,20,10
